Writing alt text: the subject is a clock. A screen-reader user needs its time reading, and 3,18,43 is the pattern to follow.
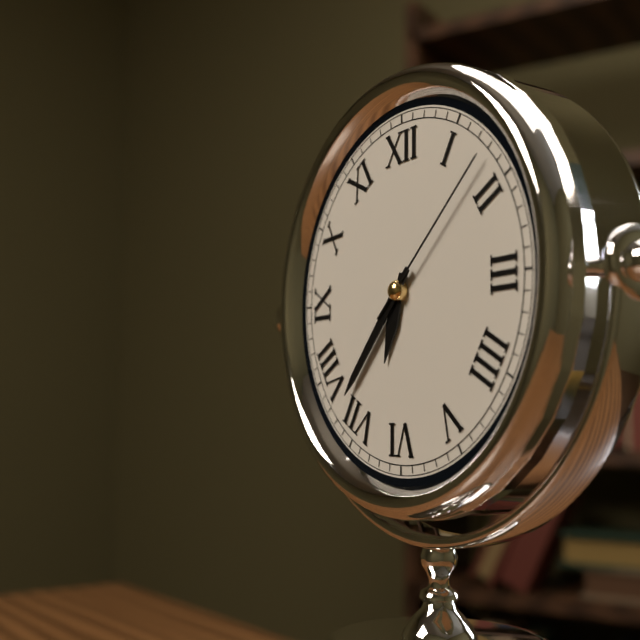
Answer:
6,37,08
